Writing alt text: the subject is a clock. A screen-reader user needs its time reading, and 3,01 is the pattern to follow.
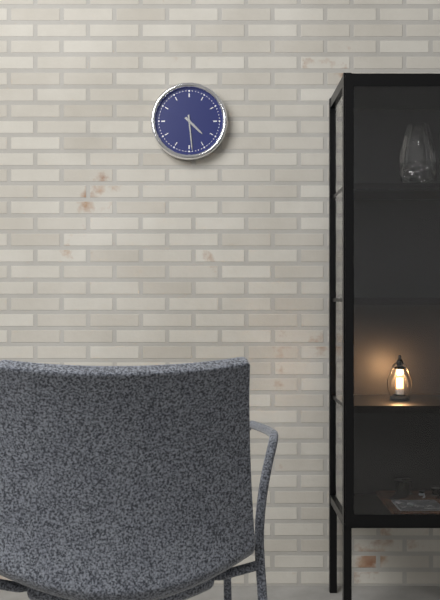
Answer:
4,29
